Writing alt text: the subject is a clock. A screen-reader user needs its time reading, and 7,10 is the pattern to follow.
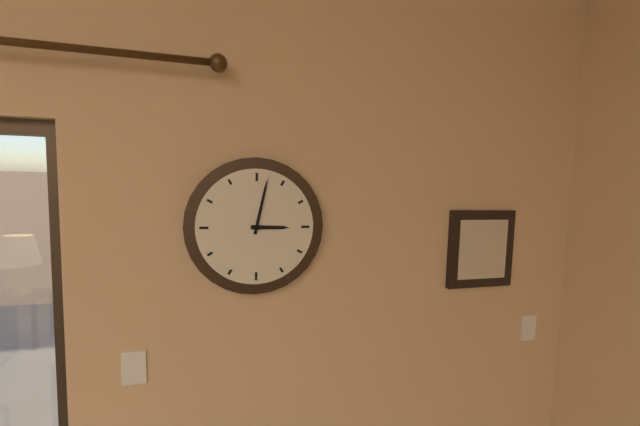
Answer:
3,02
